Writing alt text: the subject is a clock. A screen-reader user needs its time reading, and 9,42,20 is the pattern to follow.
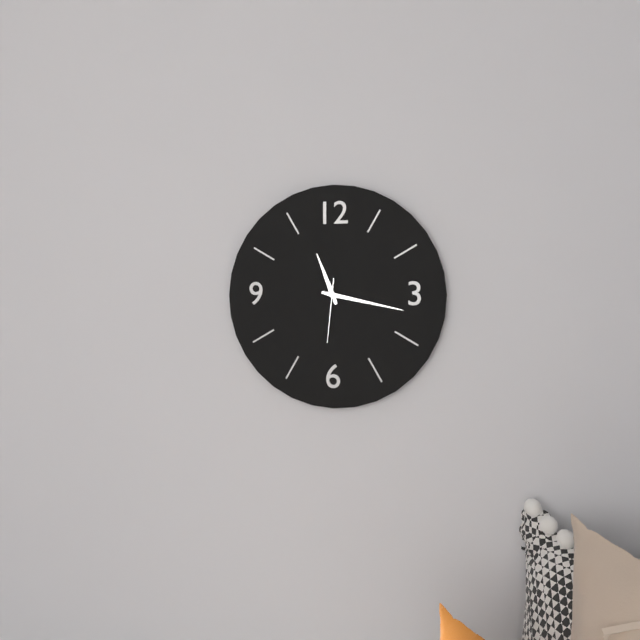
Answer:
11,17,31
